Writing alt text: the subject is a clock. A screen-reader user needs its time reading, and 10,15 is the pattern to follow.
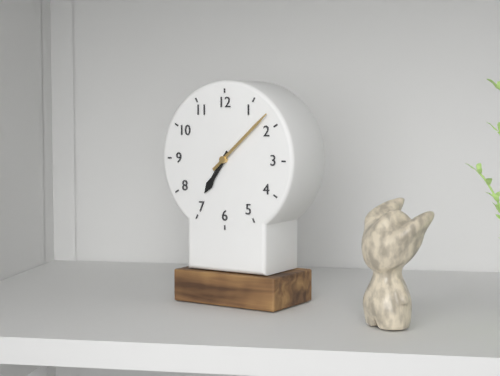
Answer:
7,08
